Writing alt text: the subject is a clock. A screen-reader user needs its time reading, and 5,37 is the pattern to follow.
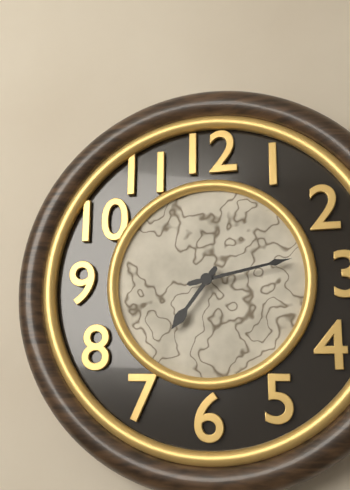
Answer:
7,13
